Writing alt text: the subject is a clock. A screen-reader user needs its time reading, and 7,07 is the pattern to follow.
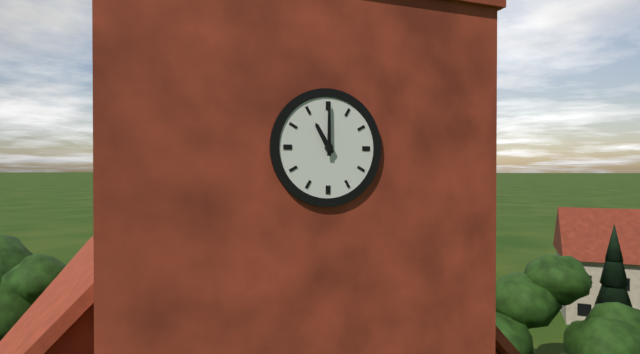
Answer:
11,00
